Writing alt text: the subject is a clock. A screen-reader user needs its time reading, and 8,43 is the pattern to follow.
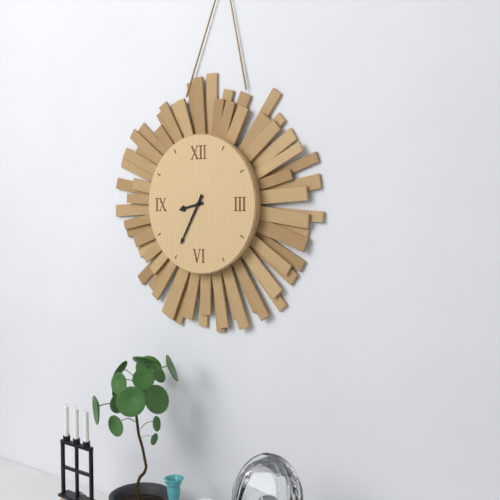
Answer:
8,35
